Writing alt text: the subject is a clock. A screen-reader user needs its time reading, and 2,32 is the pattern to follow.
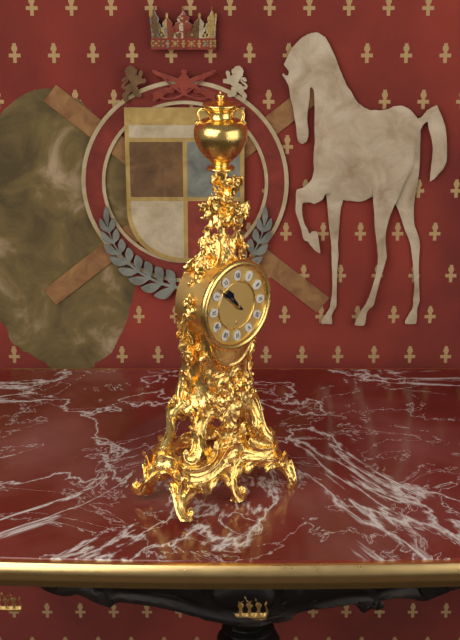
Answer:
10,52
